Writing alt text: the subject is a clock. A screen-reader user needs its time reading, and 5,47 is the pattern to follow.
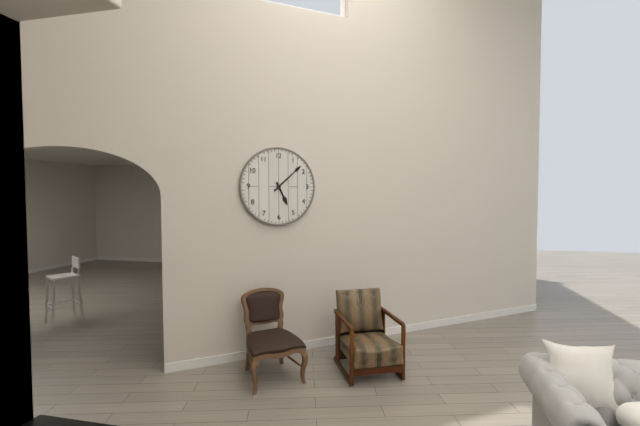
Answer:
5,08
